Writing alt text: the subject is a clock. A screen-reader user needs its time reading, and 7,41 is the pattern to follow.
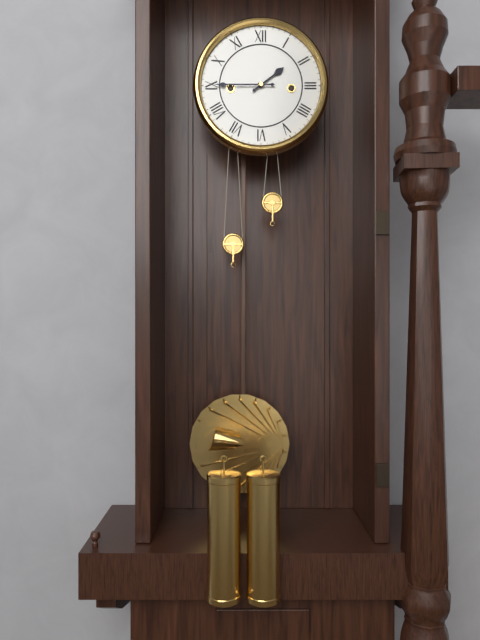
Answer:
1,45
